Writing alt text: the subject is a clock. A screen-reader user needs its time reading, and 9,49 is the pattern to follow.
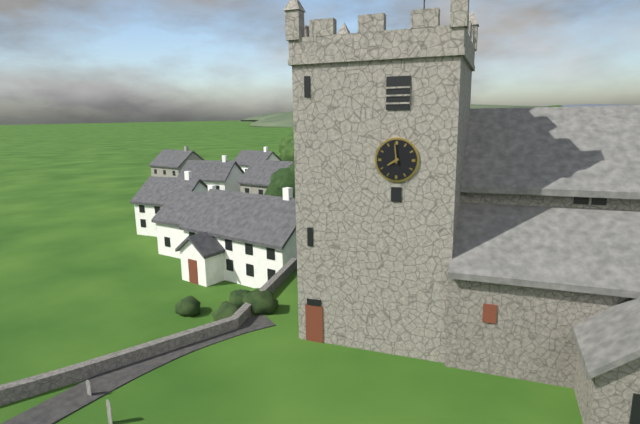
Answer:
7,59
